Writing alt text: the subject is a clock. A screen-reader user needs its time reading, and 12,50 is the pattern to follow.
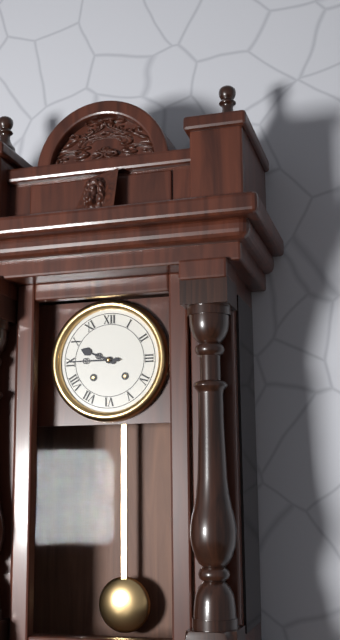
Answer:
9,45
